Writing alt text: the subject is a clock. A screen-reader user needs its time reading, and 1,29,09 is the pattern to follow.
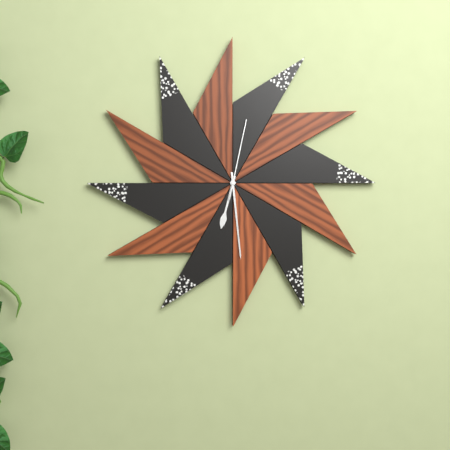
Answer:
6,29,02
